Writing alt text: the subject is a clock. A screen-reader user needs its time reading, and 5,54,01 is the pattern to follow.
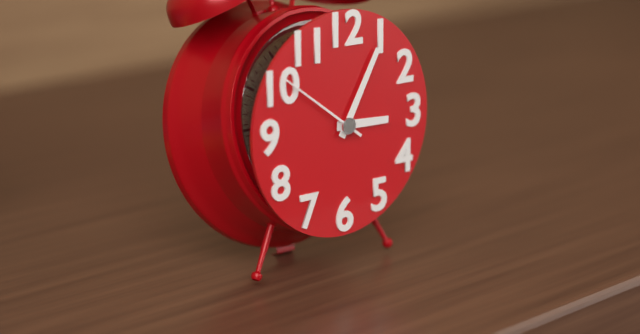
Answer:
3,05,51
